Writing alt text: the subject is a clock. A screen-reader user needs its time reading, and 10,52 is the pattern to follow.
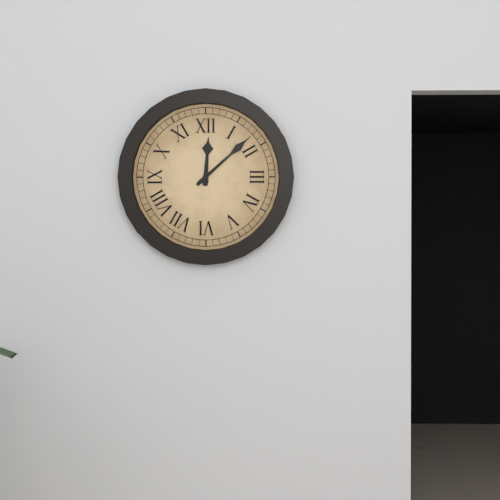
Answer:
12,08
